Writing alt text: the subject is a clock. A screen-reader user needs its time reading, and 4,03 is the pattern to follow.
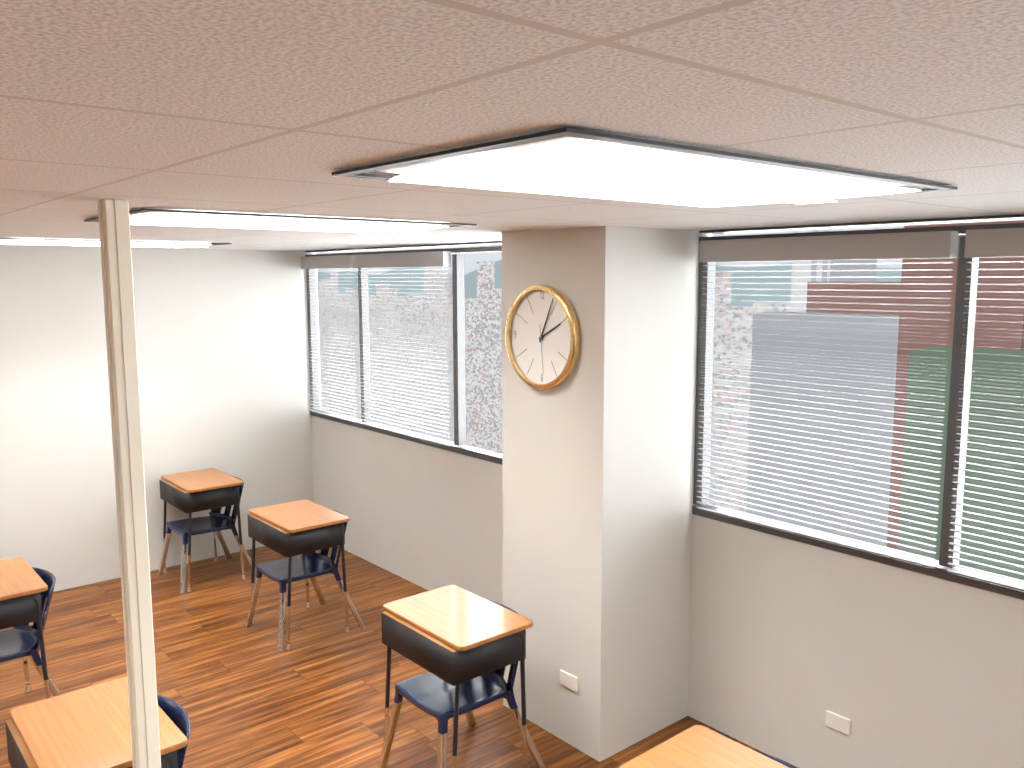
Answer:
2,04
